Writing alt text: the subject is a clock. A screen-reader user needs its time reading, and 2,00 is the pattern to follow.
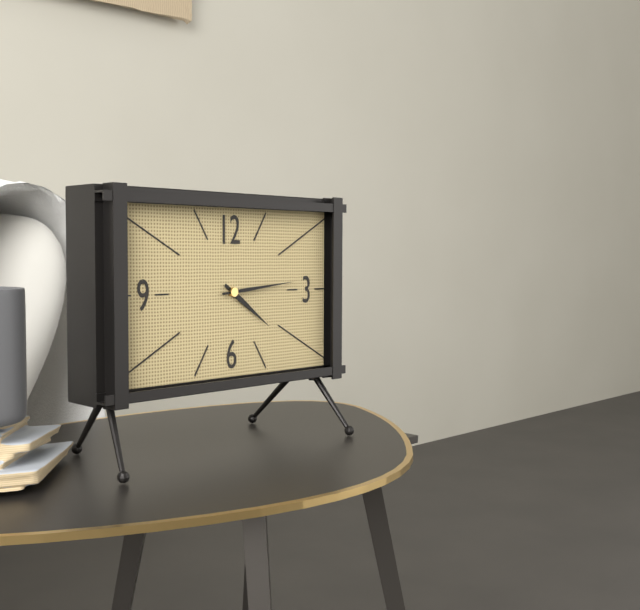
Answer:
4,14
